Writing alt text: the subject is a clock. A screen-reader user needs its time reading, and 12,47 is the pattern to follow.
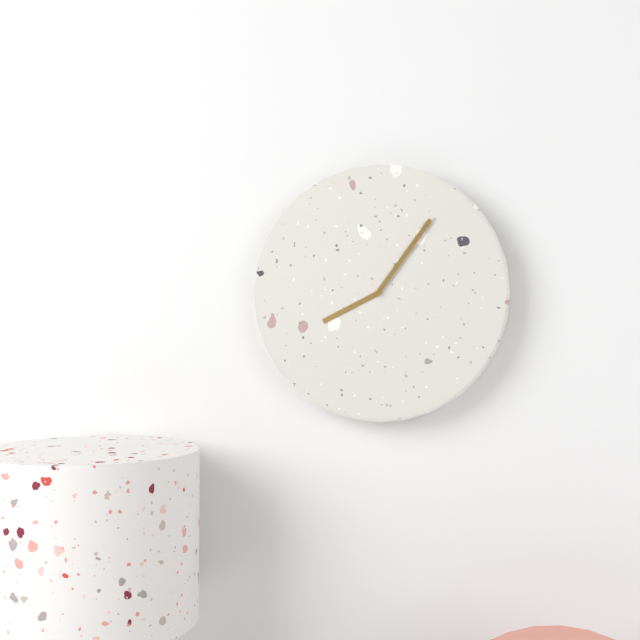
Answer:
8,06
